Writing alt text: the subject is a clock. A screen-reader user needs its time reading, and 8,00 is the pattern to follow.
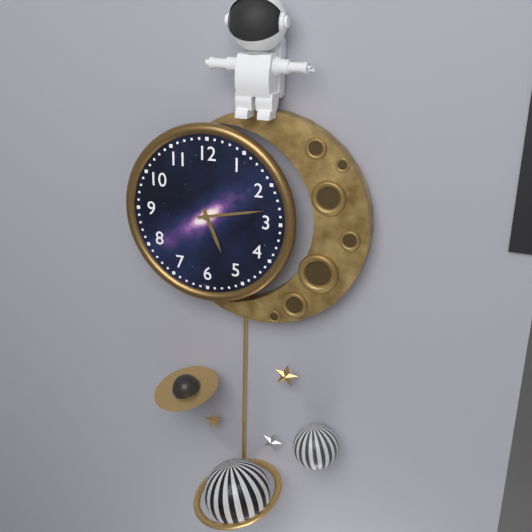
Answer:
5,13
